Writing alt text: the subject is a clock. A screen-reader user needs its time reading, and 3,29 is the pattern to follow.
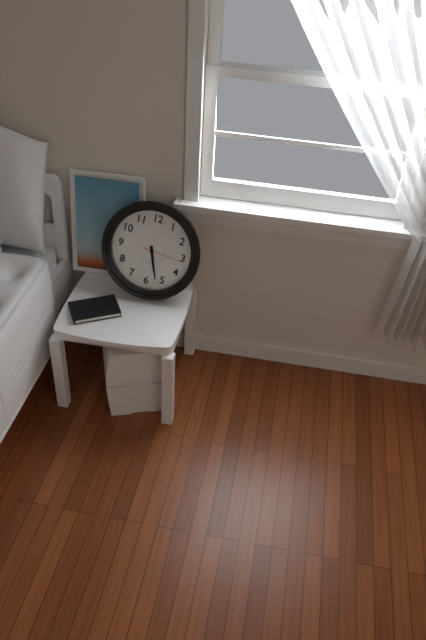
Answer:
5,27
